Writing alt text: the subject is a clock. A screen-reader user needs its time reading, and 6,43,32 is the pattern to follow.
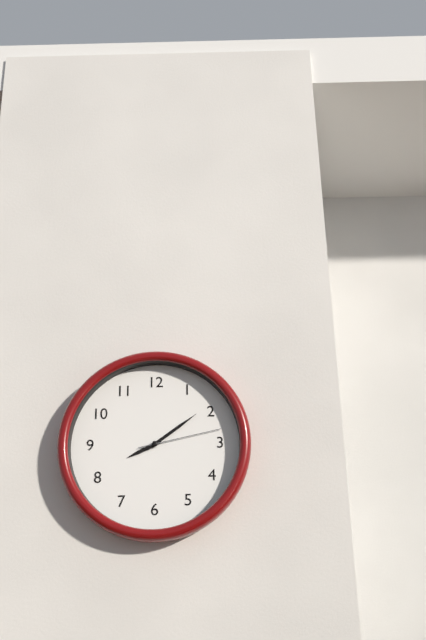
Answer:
8,09,13
